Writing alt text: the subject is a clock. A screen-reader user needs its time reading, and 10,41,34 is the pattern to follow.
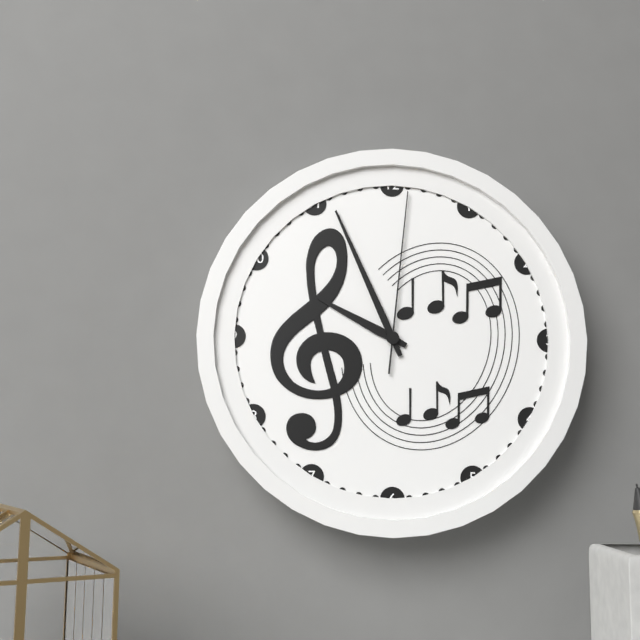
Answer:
9,56,01
